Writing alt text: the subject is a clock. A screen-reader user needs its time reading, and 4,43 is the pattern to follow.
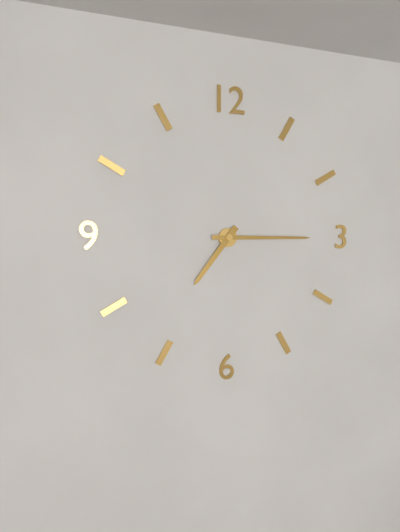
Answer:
7,15
